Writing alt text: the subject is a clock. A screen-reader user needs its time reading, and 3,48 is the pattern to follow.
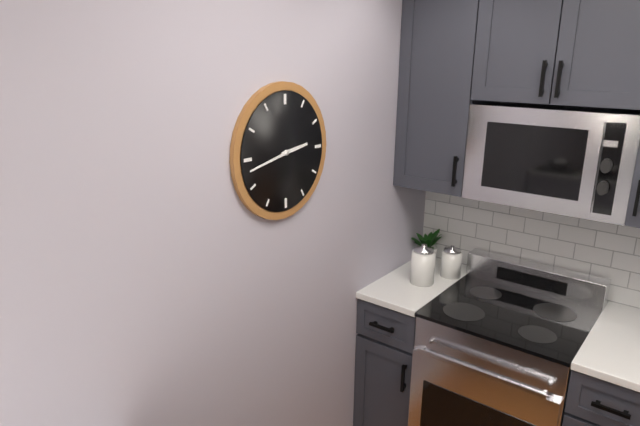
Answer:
2,43
